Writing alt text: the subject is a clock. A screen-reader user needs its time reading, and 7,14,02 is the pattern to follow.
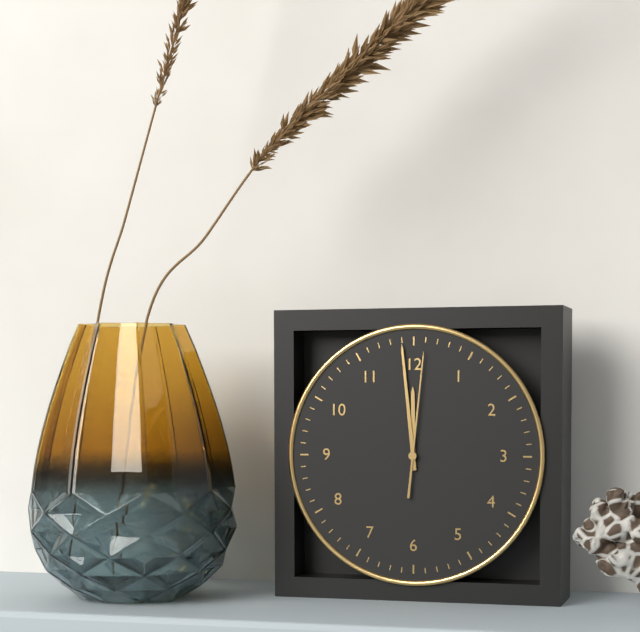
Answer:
11,59,01
